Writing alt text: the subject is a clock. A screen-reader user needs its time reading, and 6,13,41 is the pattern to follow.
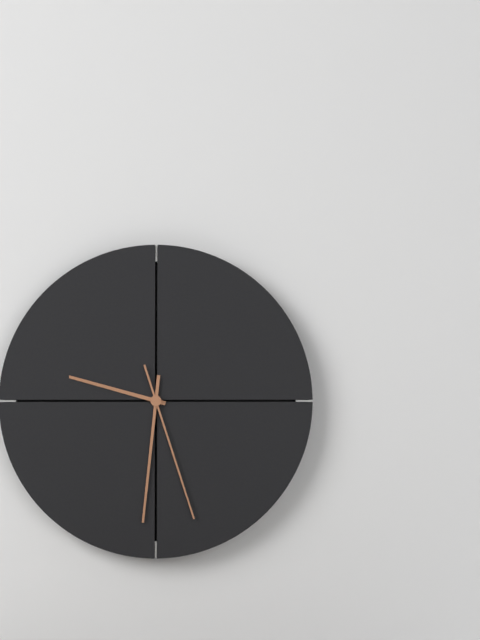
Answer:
9,31,27
